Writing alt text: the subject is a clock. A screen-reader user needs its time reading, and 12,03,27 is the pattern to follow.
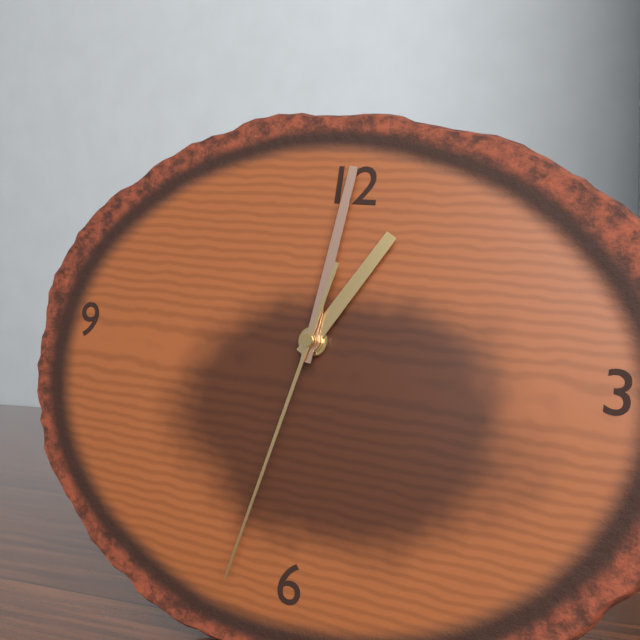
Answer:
1,01,32
